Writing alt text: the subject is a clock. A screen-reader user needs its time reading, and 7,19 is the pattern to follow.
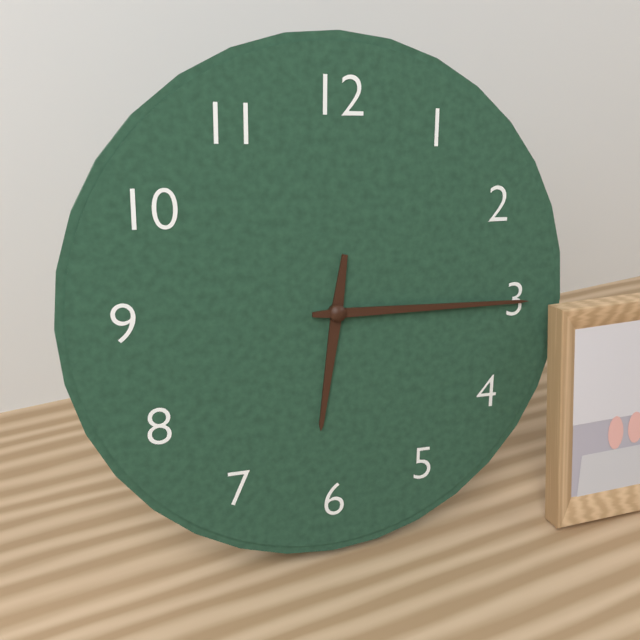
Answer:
6,15
